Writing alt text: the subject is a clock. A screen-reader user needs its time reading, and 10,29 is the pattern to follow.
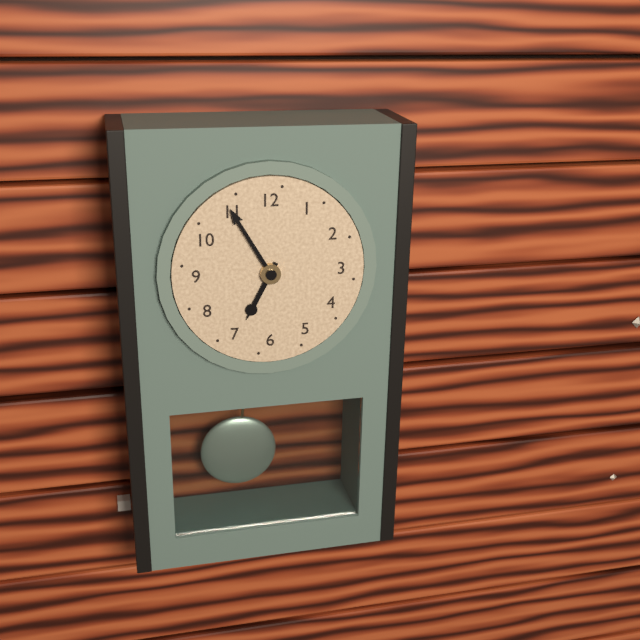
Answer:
6,55
